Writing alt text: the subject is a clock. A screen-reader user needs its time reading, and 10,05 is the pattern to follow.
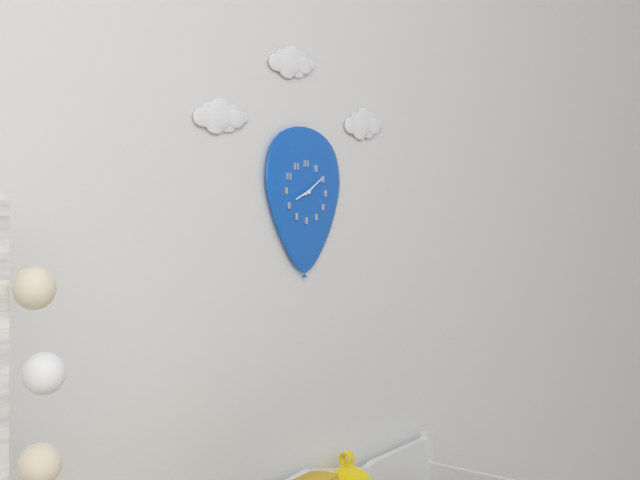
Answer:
8,09
